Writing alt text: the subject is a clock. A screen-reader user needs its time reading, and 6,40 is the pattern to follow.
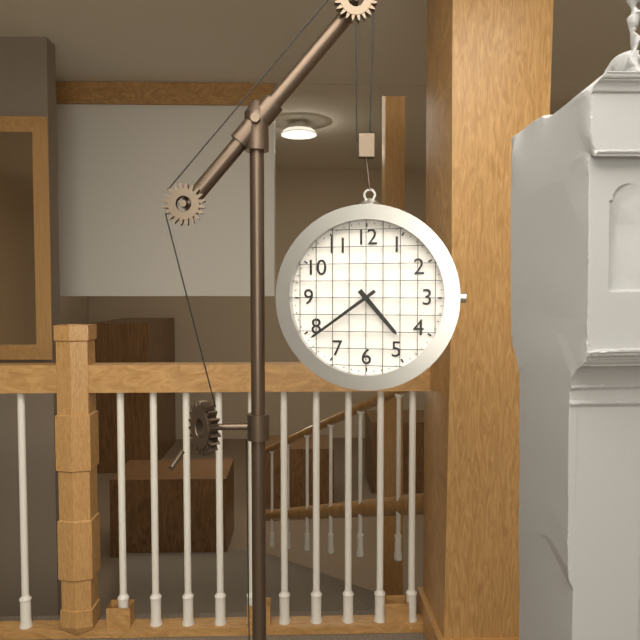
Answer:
4,39
